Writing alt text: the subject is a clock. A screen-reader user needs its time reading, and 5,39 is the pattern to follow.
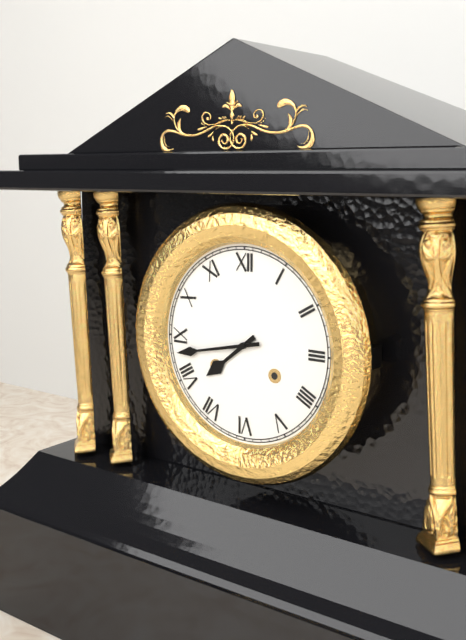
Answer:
7,43
